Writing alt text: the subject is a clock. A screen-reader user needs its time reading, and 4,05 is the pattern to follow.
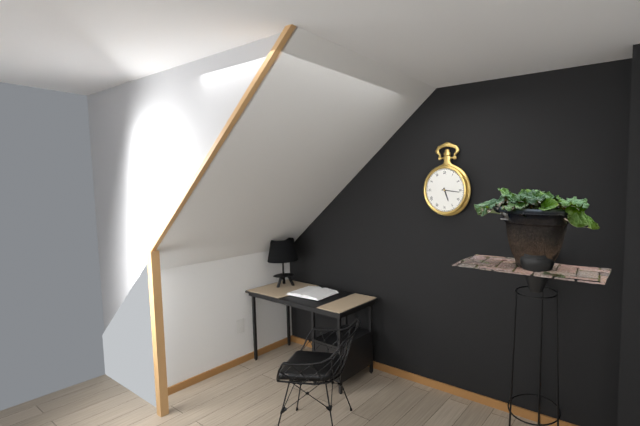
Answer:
5,16
